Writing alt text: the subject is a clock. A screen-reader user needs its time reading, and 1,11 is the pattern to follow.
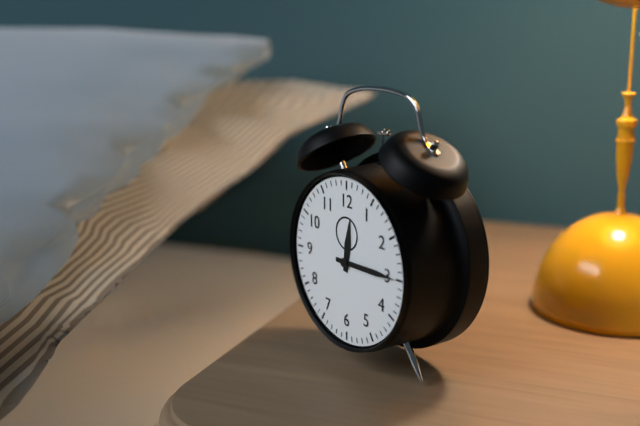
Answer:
12,15
